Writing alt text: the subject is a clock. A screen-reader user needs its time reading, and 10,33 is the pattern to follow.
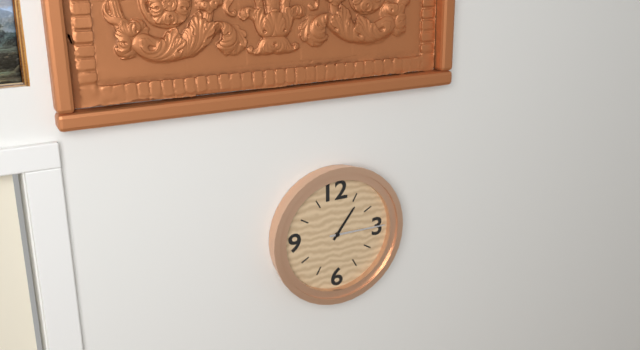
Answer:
1,15
